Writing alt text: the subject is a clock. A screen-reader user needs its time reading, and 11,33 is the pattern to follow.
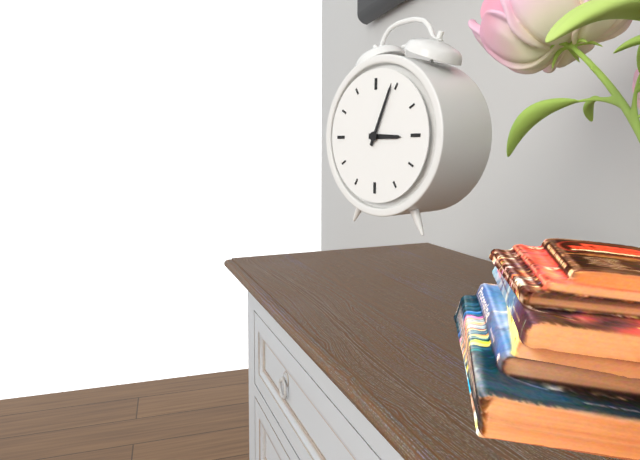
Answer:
3,04
